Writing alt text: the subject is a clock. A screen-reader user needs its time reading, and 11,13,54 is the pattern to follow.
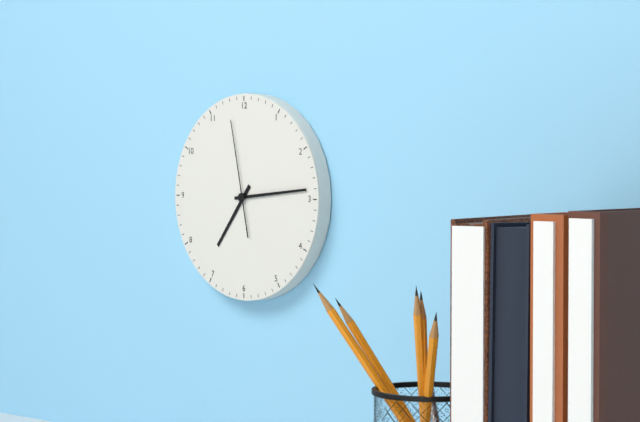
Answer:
7,14,58
